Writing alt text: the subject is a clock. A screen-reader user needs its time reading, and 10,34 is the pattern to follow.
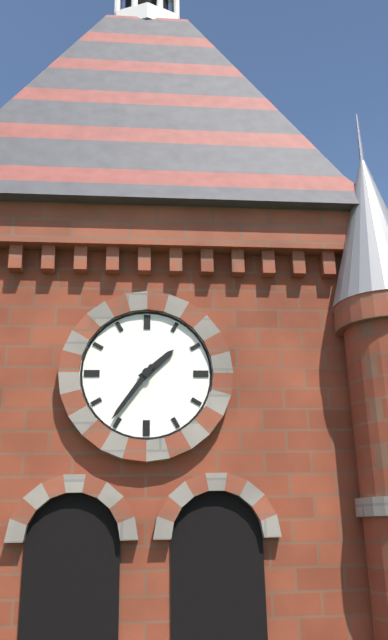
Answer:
1,36
